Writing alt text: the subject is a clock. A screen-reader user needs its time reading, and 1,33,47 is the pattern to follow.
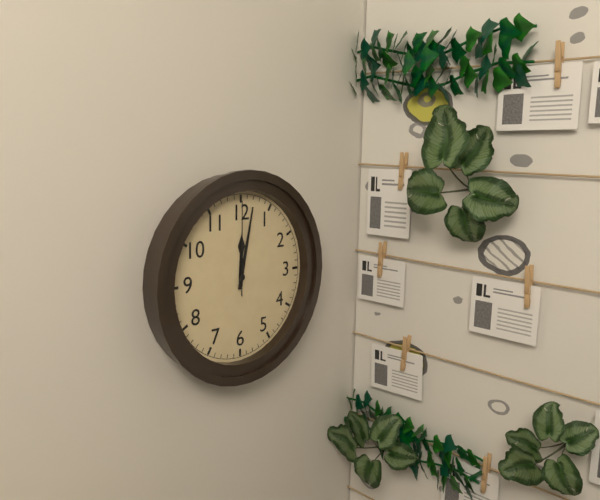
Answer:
12,02,00
